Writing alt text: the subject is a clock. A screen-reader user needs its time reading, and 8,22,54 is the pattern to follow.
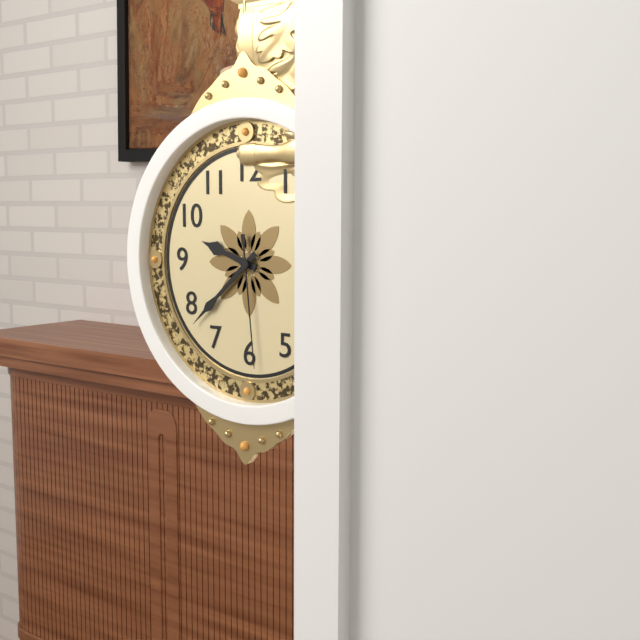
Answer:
9,38,29
